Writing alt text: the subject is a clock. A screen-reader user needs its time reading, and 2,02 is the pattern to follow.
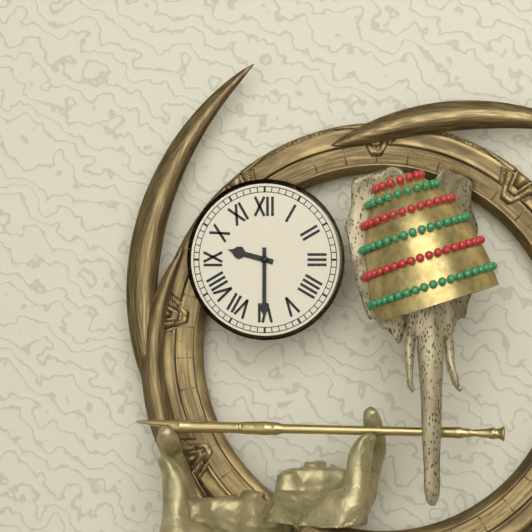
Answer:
9,30
